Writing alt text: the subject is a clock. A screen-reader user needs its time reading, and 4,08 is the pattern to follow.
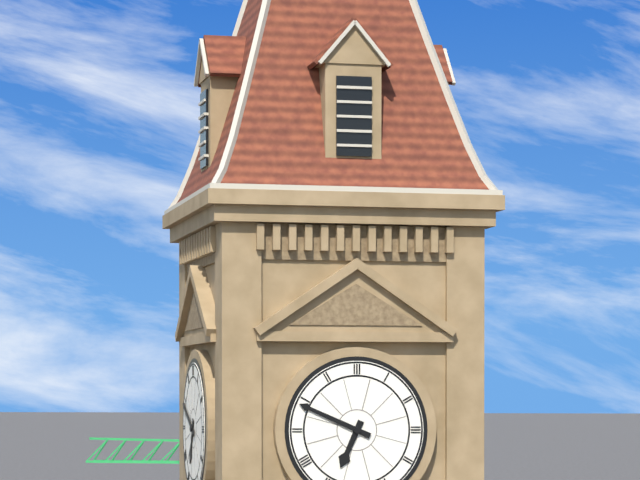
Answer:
6,49
